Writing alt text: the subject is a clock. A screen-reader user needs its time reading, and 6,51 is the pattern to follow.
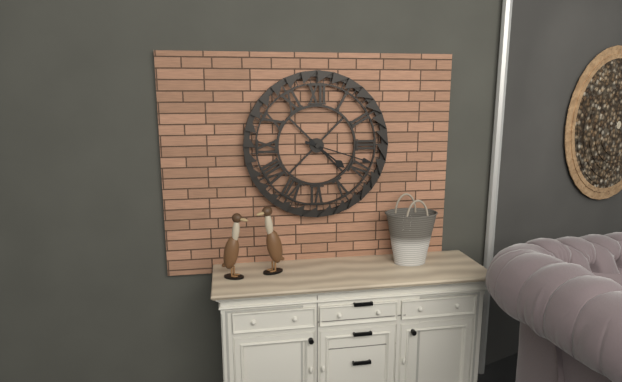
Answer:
4,18
